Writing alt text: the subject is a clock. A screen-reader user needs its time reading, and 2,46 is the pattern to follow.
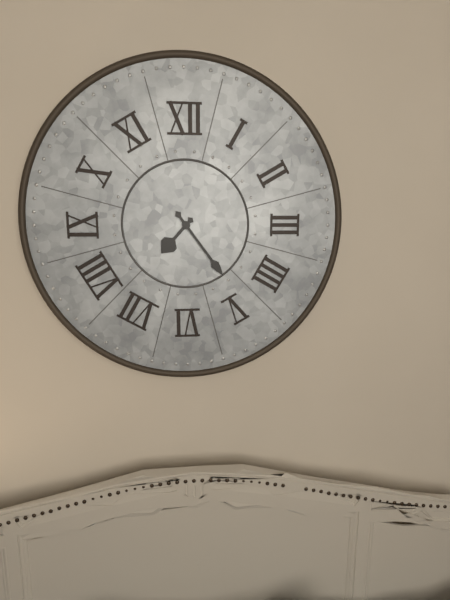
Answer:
7,24
